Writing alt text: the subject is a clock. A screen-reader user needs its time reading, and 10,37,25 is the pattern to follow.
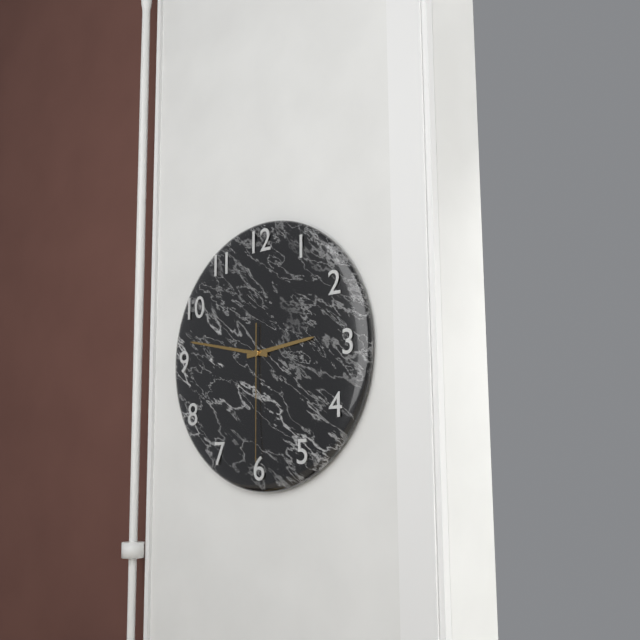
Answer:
2,47,30
